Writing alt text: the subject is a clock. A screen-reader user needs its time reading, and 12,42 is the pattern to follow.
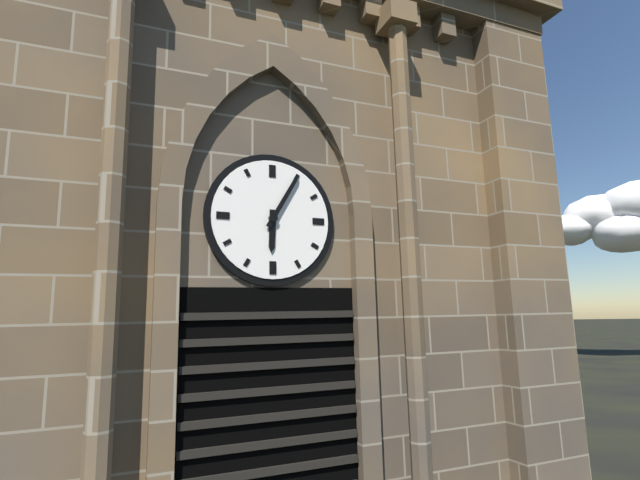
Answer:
6,05
